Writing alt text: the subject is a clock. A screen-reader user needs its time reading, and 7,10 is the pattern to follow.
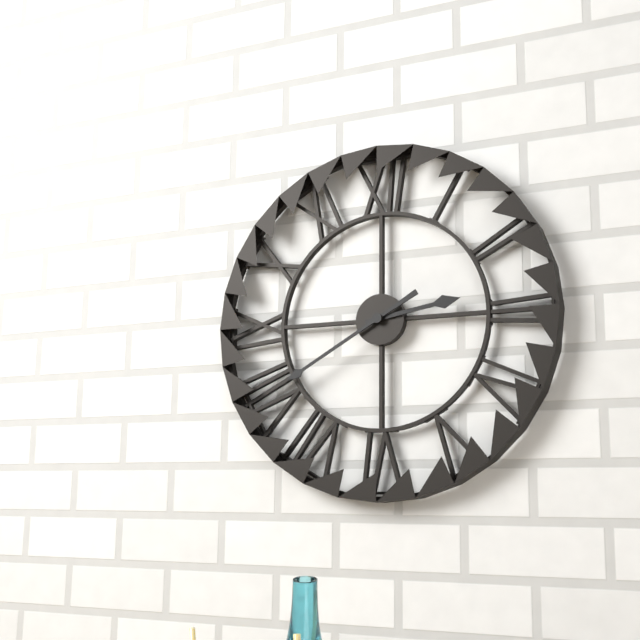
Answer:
2,40
